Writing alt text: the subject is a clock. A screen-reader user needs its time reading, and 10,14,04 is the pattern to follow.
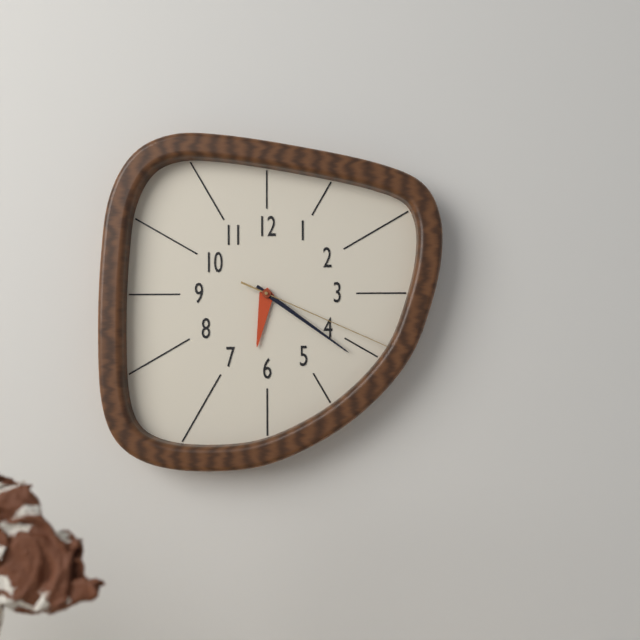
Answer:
6,21,19
